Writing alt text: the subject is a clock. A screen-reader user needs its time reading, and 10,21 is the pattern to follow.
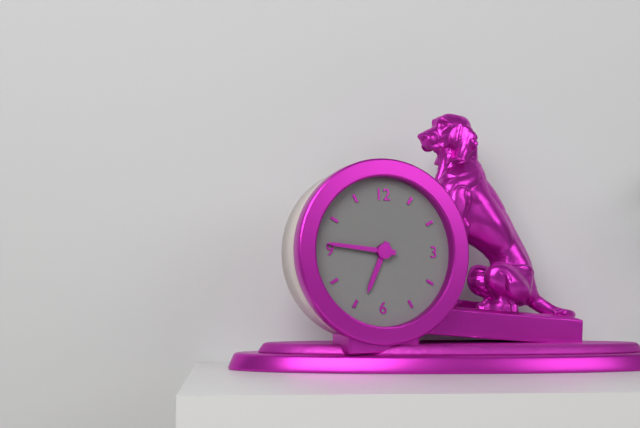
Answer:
6,46
